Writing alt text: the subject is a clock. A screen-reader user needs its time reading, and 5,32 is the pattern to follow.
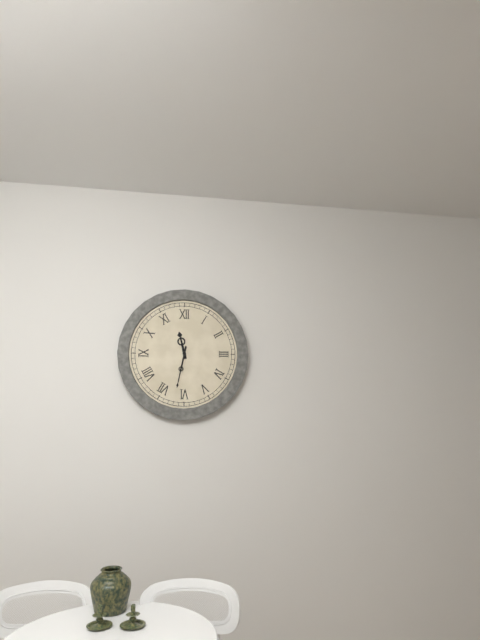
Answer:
11,32
